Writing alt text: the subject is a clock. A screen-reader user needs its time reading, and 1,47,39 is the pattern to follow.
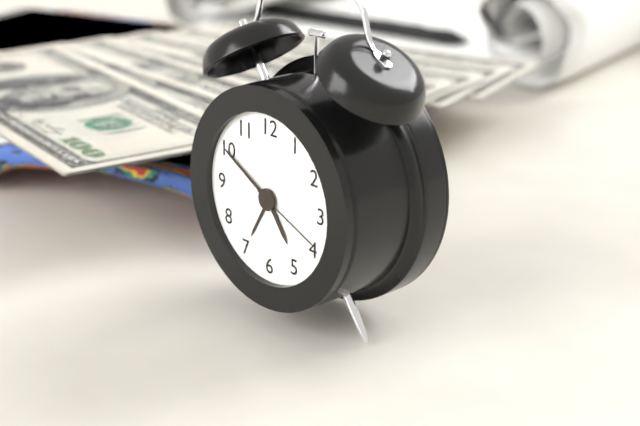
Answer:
4,50,19
